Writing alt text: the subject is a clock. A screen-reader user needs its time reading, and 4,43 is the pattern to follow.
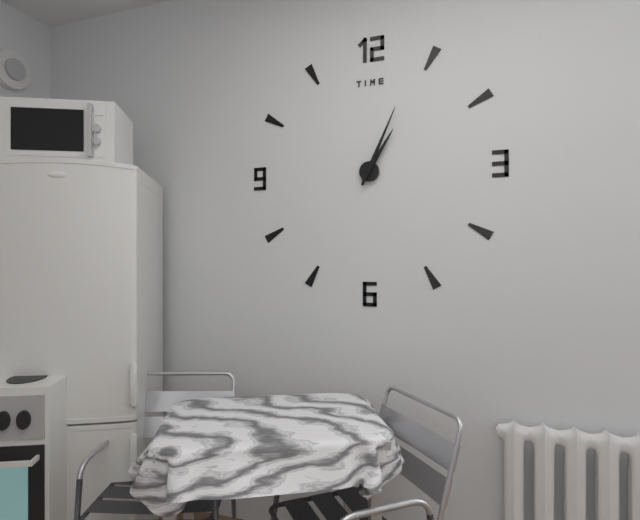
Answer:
1,04
